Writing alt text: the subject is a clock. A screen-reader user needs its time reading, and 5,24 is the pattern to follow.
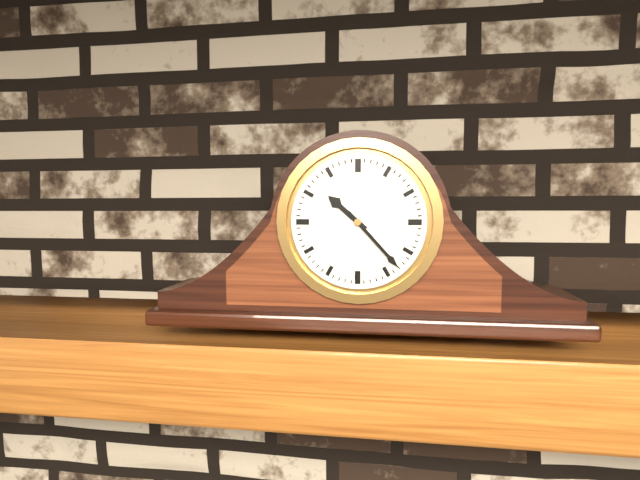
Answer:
10,23
